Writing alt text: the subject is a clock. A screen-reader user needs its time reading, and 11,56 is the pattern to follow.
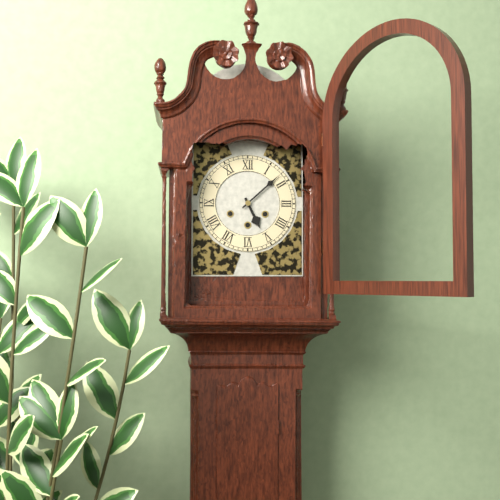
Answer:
5,08
